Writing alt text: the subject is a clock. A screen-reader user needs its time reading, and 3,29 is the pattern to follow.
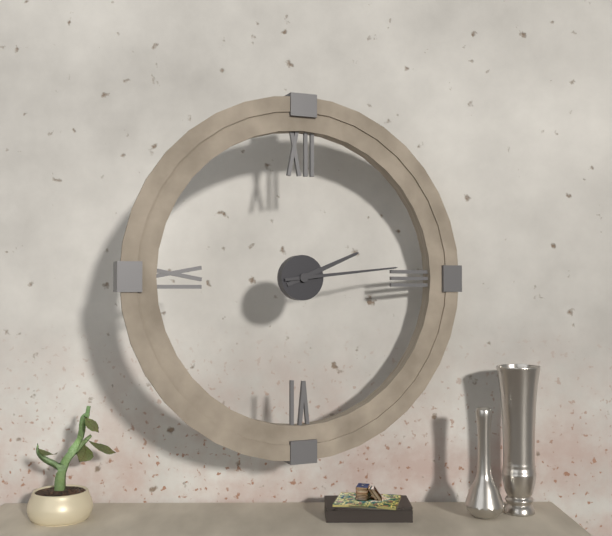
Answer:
2,14
